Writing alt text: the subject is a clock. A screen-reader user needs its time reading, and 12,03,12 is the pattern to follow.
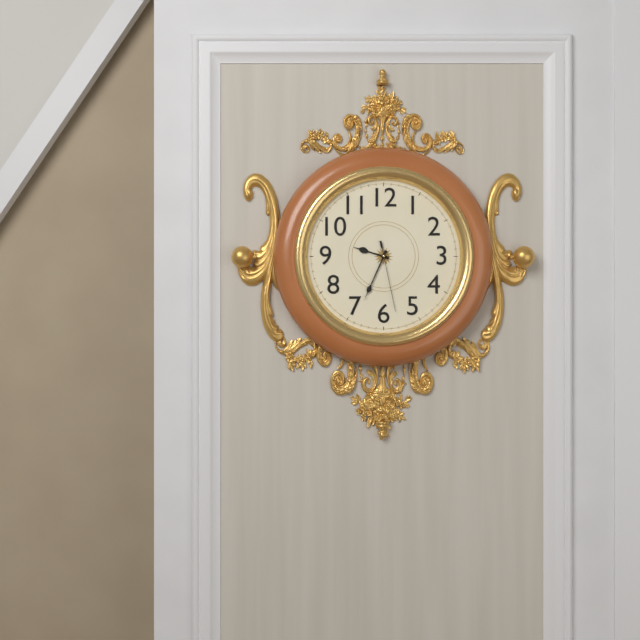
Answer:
9,34,28
